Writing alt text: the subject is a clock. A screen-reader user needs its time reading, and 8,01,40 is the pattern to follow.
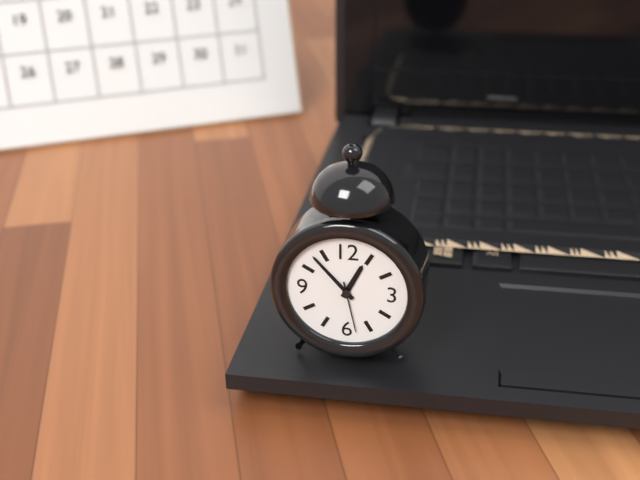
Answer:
12,53,28
